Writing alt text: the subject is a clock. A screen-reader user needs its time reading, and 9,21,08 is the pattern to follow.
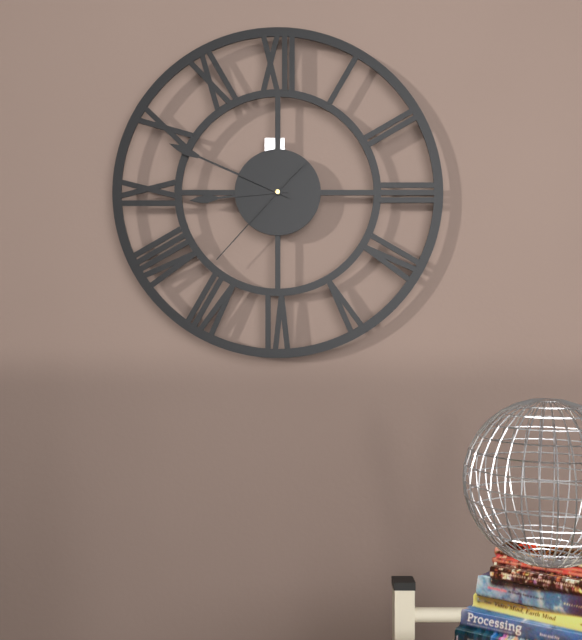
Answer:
8,49,37
